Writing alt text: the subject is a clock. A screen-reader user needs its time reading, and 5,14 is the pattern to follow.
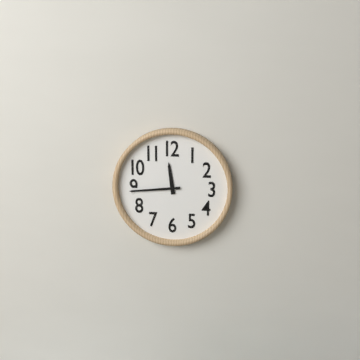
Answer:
11,44
